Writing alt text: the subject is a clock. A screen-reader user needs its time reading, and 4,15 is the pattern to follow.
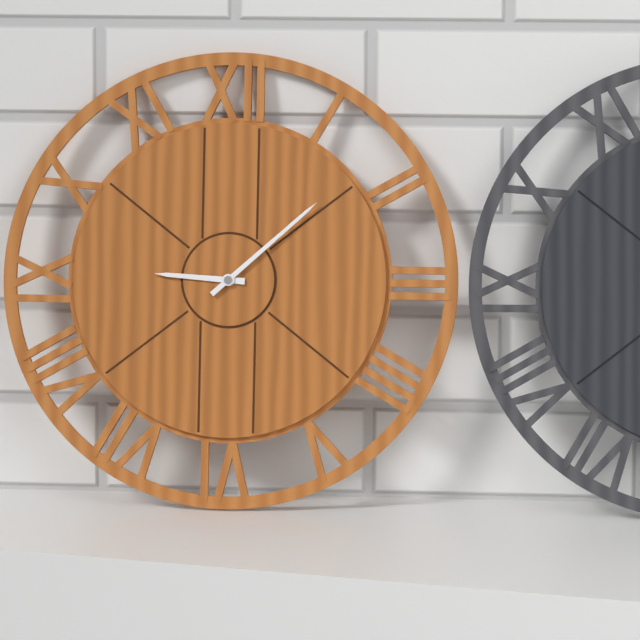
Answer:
9,08
